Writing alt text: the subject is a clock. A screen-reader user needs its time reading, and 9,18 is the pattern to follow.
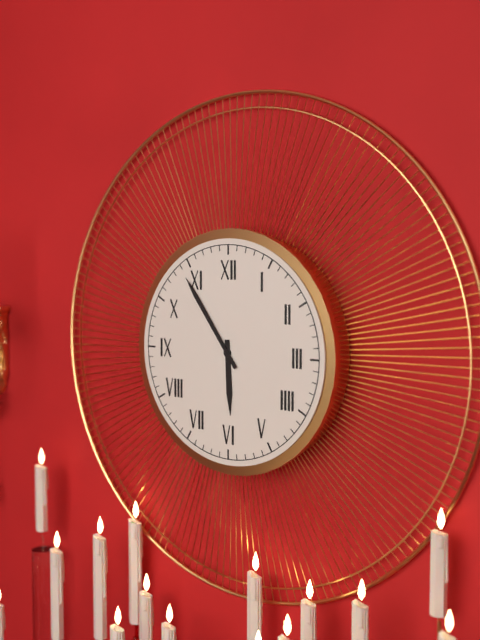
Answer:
5,54
